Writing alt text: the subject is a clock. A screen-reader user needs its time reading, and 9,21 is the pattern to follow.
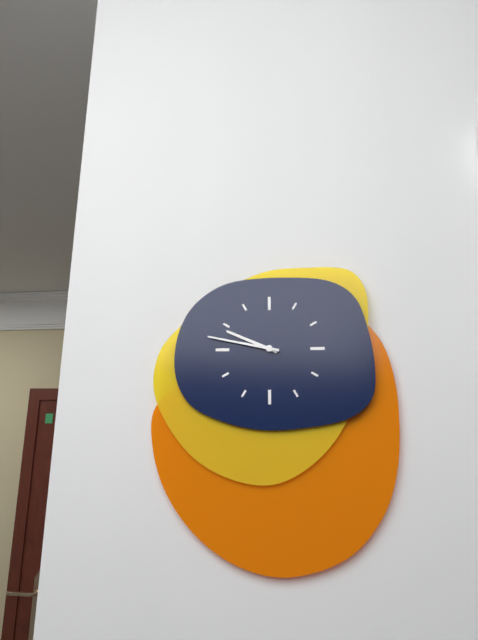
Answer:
9,47
